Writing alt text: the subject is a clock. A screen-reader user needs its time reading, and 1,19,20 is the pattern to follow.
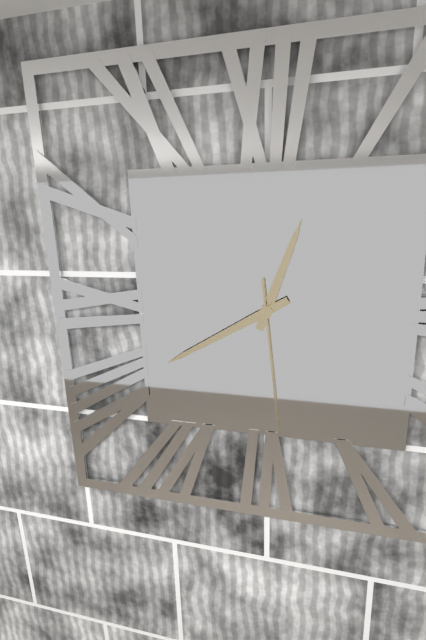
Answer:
12,40,29
